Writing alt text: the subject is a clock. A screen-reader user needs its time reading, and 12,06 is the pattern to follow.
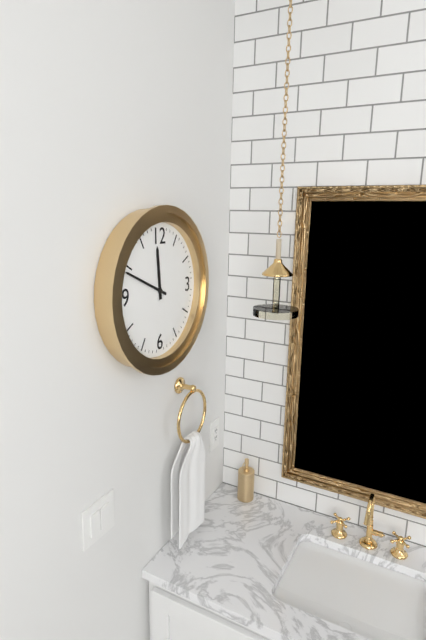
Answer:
11,49
